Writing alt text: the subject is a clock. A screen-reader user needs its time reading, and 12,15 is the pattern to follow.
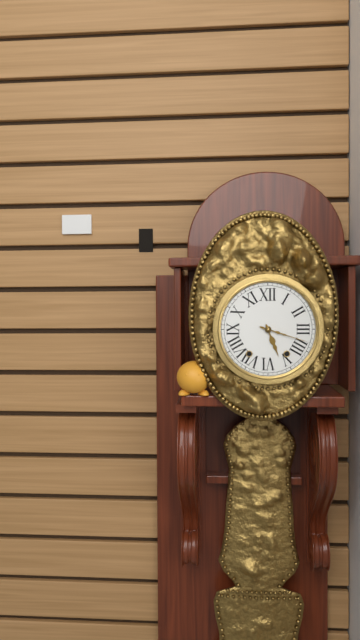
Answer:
5,18
